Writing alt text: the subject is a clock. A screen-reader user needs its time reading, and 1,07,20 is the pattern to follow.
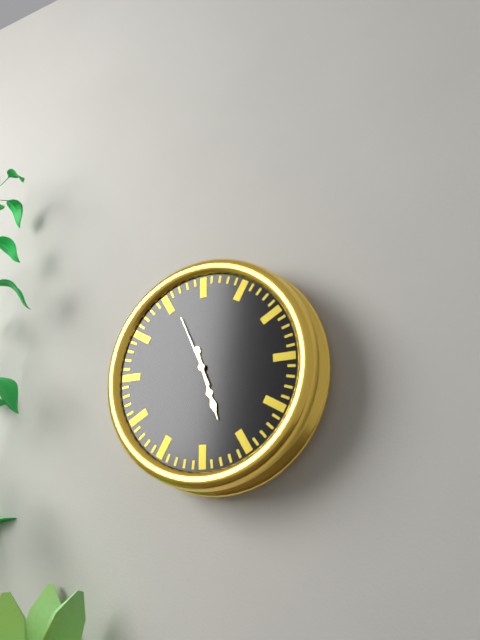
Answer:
5,27,56
